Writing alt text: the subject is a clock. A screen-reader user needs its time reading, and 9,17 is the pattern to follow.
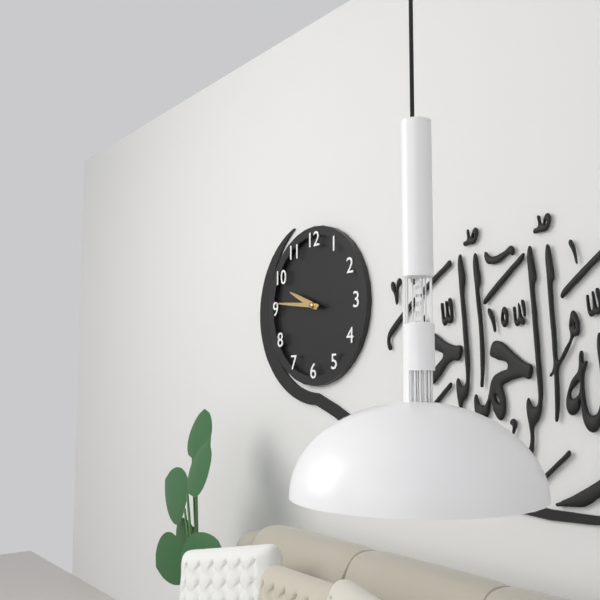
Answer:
9,46
